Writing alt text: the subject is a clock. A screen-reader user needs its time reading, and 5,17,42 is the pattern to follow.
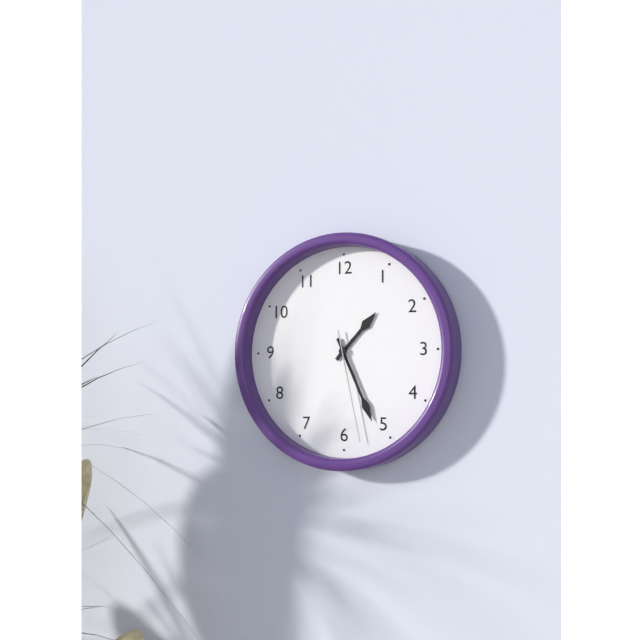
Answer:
1,26,28
